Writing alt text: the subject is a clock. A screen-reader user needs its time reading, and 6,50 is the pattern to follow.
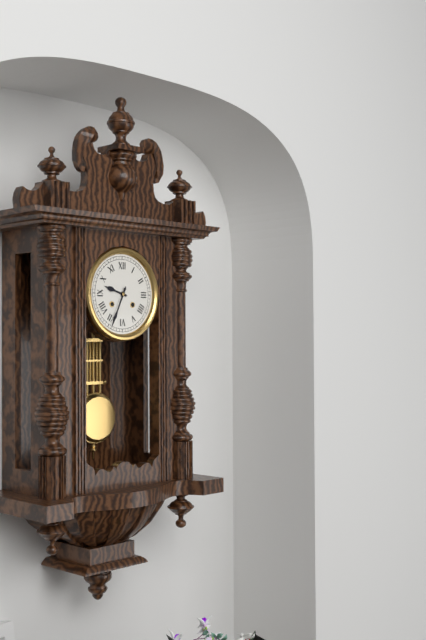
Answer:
9,34
